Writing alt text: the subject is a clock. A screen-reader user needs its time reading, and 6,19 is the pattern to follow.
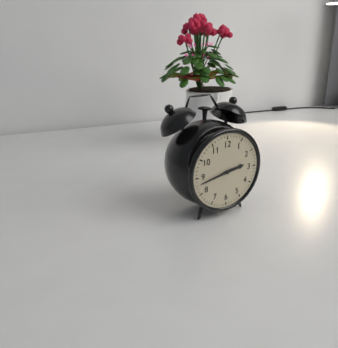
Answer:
2,43
